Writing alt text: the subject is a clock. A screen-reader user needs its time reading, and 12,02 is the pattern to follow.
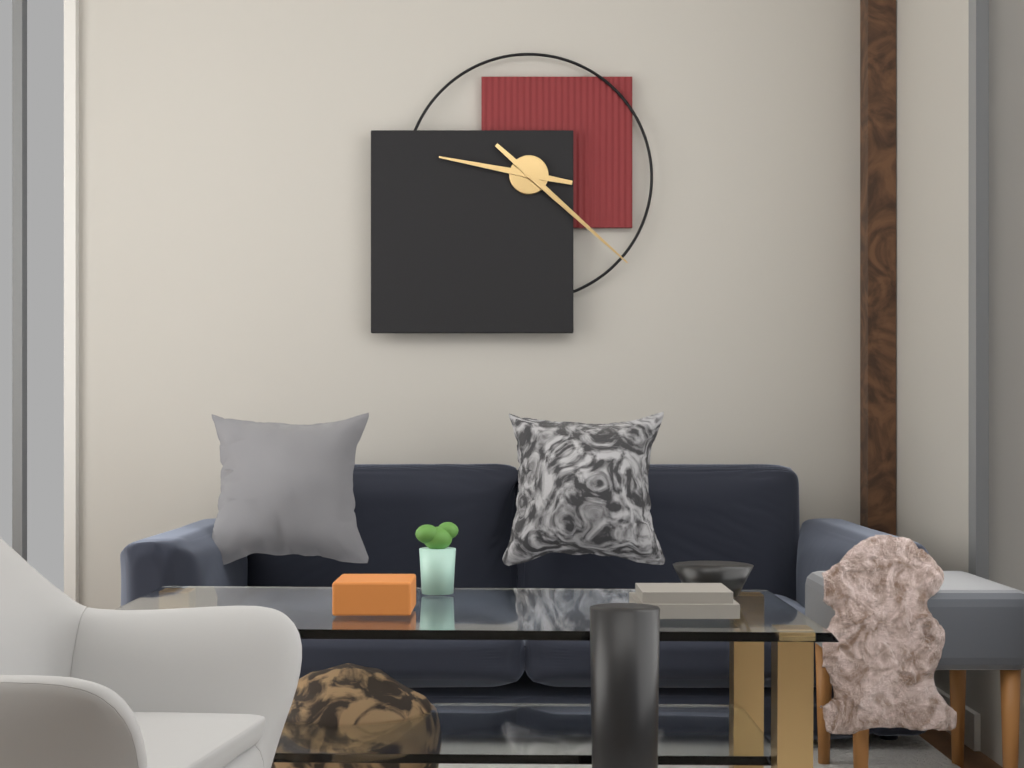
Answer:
9,22
